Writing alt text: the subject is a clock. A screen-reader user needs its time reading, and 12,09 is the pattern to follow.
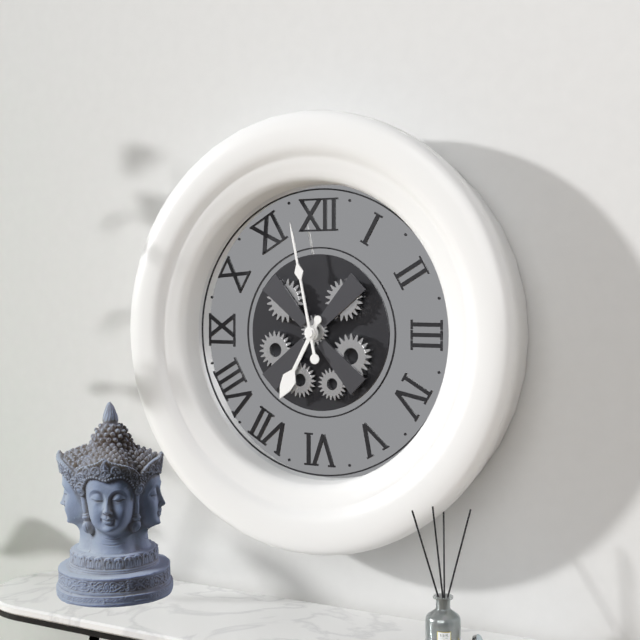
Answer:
6,58
